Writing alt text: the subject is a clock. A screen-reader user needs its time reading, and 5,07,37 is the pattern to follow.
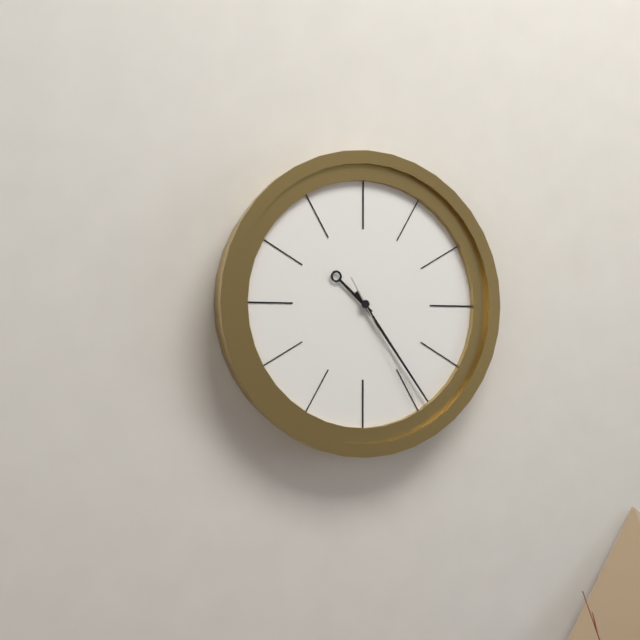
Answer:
10,24,25
